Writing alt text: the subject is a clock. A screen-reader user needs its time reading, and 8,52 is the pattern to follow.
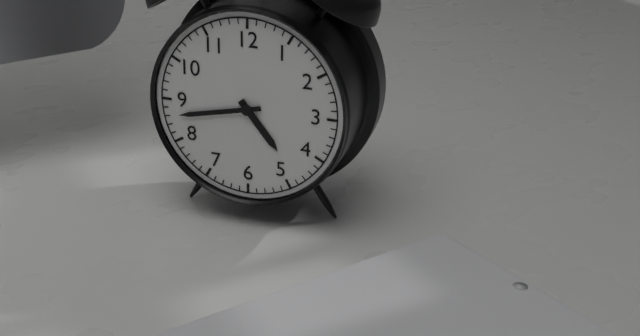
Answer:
4,43
